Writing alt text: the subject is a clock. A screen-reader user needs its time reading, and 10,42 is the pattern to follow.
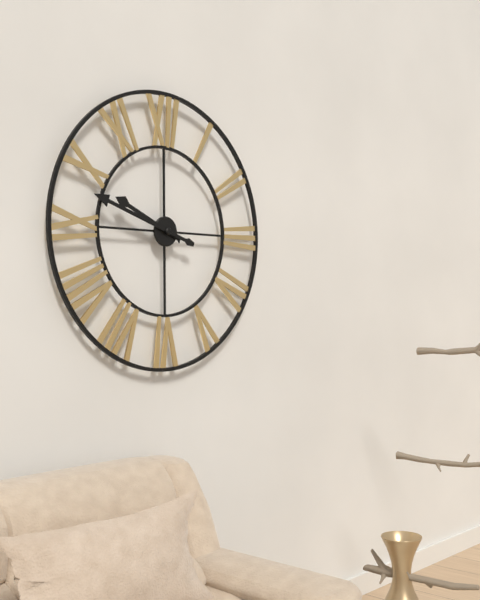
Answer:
9,48
